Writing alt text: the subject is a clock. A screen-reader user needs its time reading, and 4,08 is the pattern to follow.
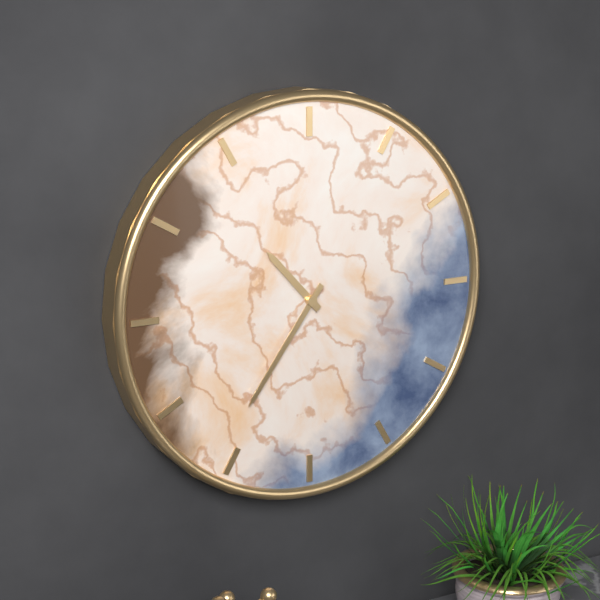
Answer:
10,36
